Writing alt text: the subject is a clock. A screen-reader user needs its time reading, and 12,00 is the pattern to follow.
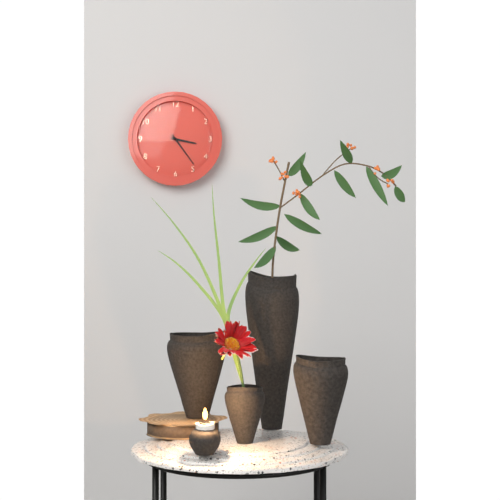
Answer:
3,24
